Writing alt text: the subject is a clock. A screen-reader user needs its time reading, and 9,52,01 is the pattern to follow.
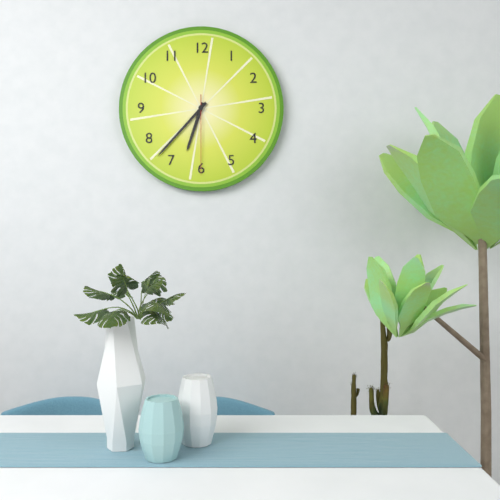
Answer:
6,37,30
